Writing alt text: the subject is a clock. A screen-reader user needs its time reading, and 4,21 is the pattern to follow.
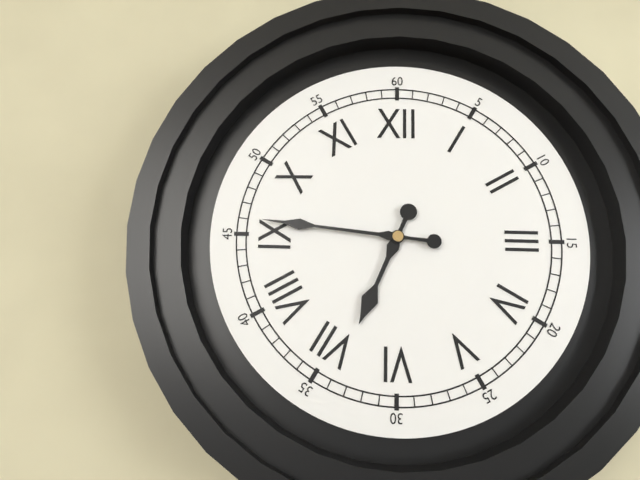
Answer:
6,46
